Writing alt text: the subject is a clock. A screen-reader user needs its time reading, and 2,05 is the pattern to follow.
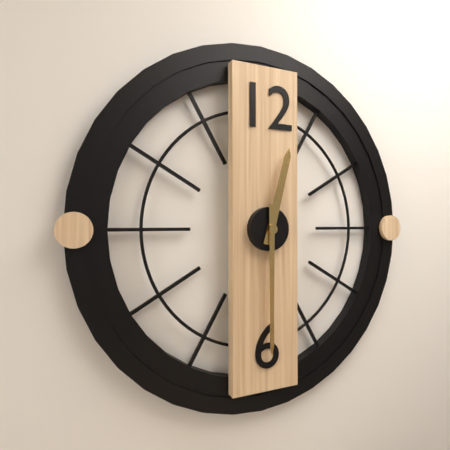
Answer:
12,30
